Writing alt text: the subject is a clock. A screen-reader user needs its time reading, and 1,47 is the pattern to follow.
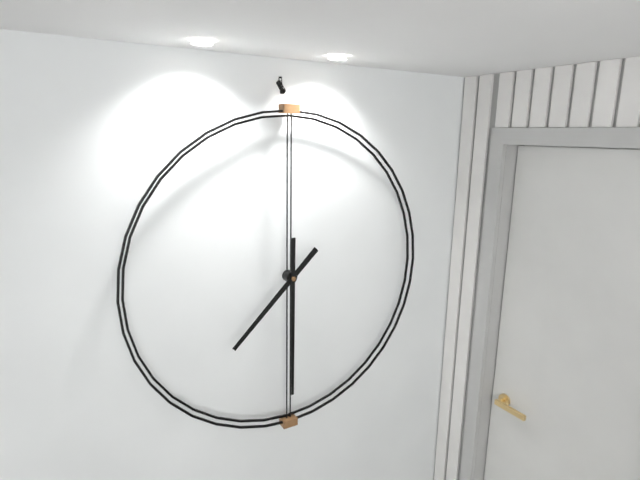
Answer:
7,30
